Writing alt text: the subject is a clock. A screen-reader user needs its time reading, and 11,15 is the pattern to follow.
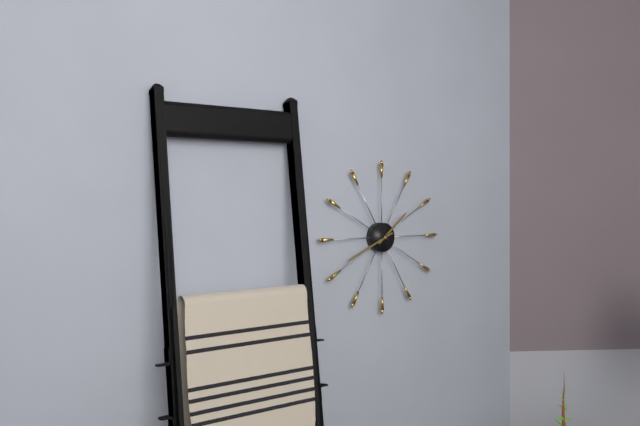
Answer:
1,41
